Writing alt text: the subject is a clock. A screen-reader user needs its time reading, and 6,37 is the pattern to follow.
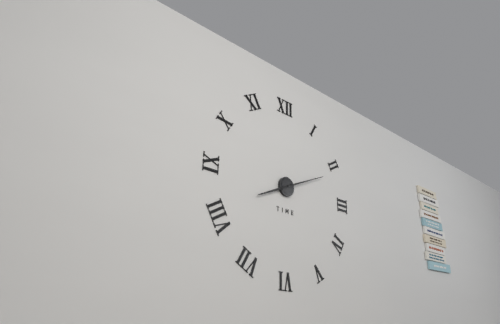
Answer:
8,11
